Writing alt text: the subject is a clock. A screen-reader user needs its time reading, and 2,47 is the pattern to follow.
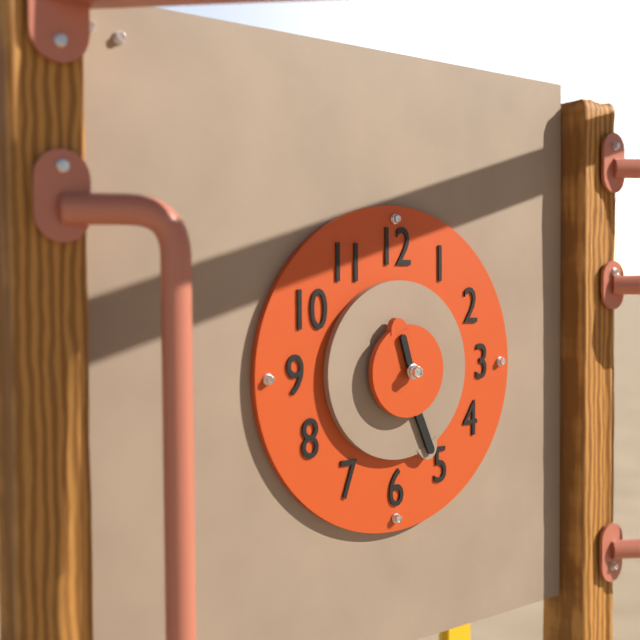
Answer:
11,26
